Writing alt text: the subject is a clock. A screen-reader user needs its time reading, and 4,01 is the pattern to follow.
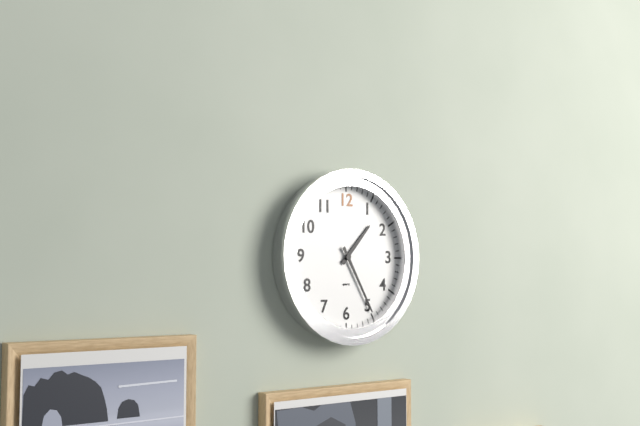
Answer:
1,25
